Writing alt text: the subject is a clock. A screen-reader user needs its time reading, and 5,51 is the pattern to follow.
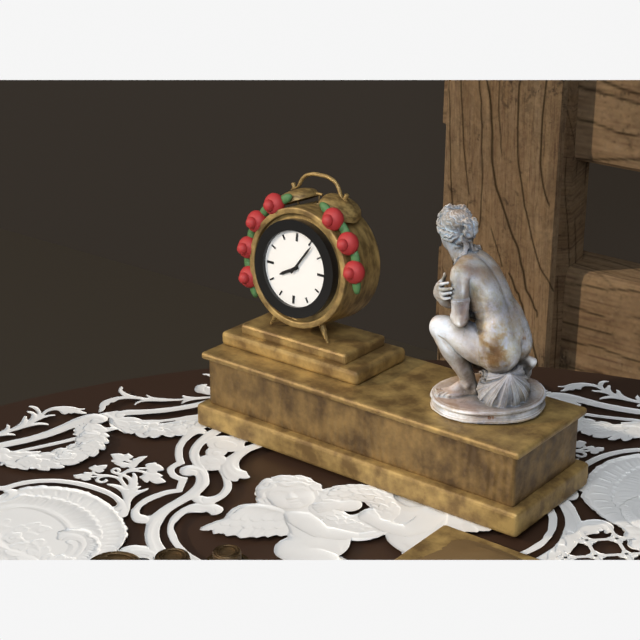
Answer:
8,06
